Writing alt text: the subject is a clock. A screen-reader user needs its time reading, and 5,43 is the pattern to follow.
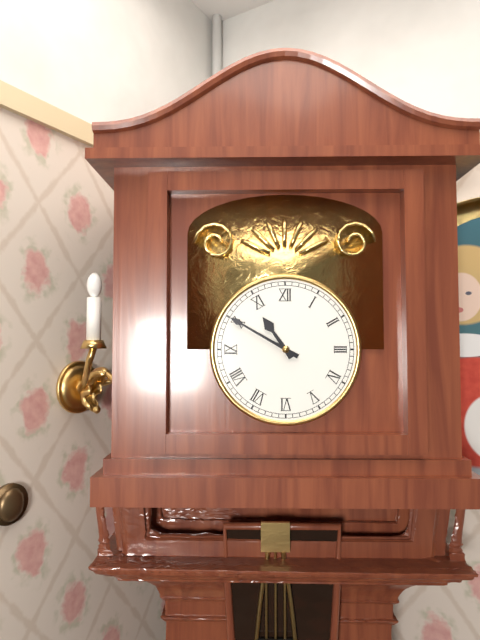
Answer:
10,50
